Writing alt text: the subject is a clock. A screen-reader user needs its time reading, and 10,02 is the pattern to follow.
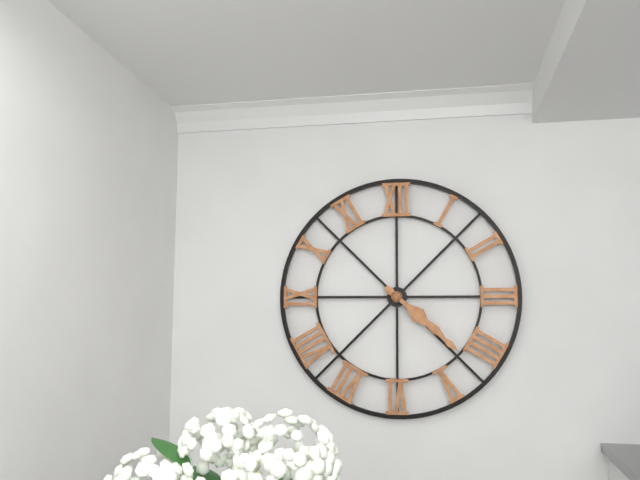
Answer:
4,22
